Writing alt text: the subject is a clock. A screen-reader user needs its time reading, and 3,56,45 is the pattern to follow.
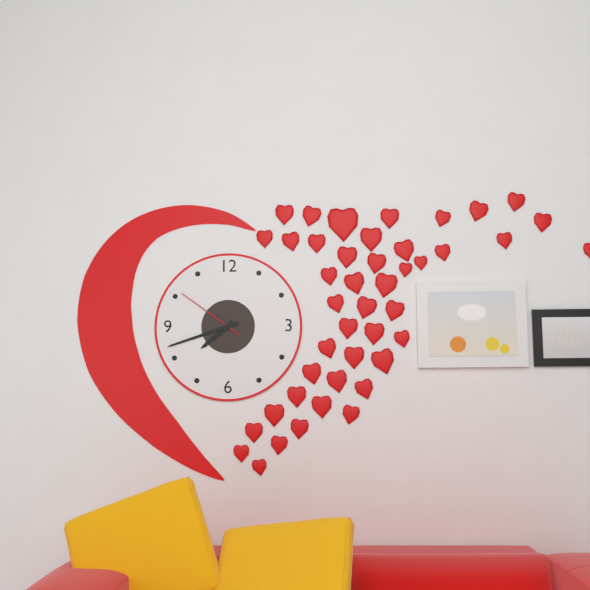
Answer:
7,42,51
